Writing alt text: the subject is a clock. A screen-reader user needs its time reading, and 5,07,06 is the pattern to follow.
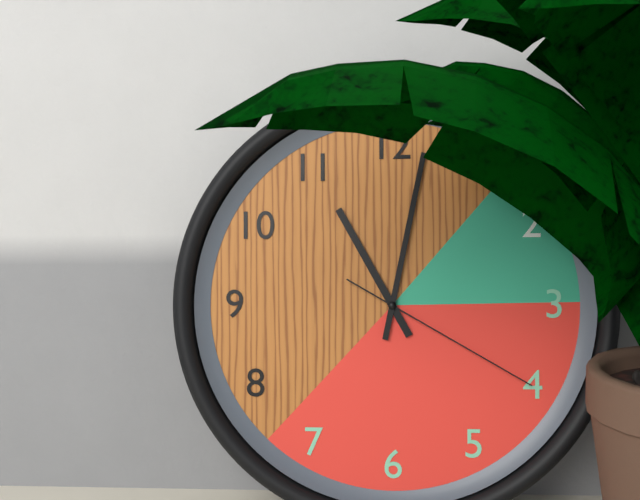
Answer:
11,02,20
